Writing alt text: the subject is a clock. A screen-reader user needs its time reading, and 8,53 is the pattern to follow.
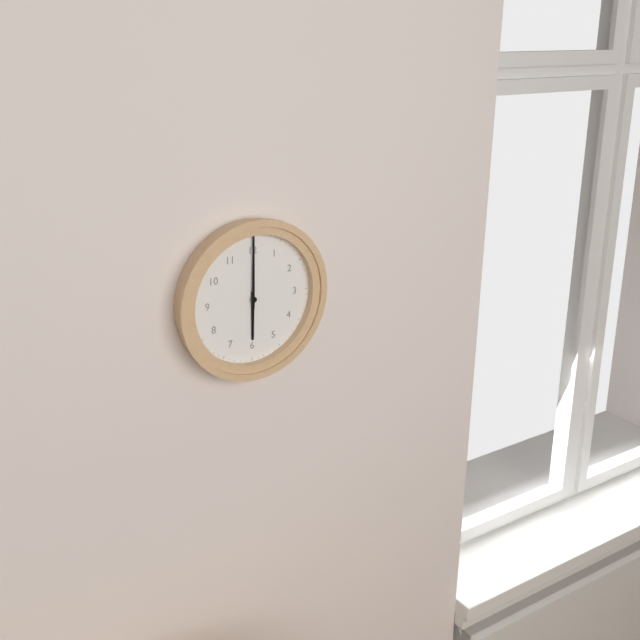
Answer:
6,00
